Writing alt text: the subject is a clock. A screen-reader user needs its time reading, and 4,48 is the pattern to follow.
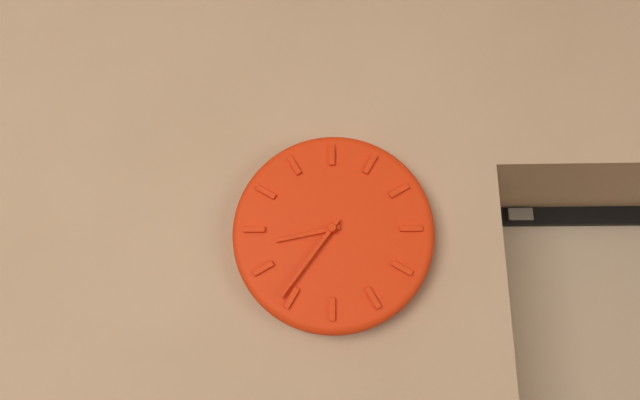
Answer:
8,36
